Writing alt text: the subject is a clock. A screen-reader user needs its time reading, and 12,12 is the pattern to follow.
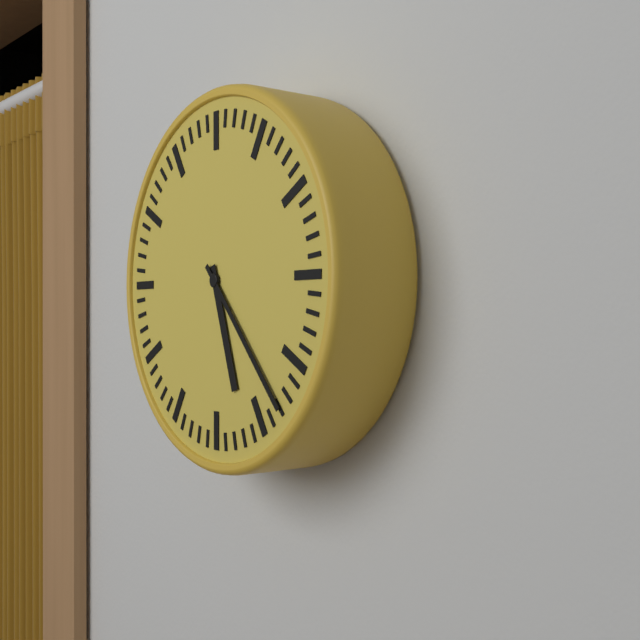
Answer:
5,23
